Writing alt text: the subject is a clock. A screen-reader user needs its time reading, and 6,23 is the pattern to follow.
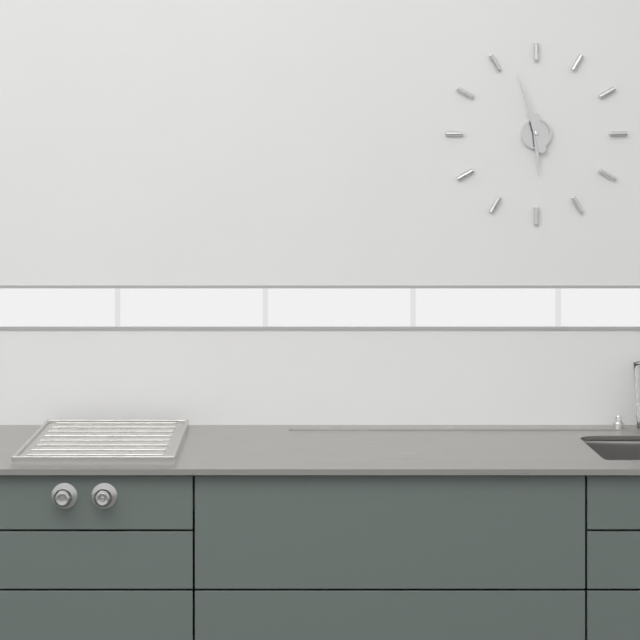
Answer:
5,57
